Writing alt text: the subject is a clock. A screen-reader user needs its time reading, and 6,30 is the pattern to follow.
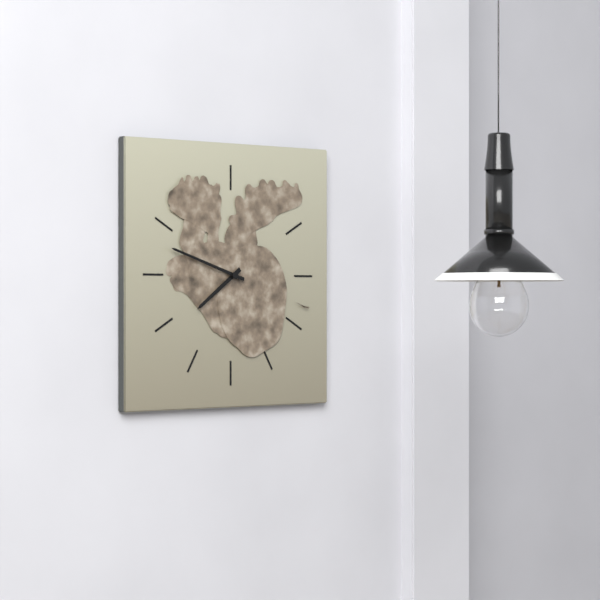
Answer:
7,48
